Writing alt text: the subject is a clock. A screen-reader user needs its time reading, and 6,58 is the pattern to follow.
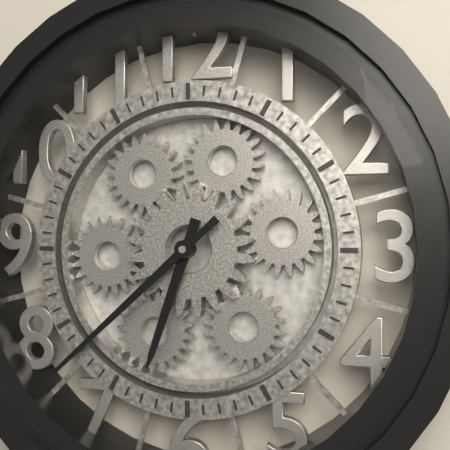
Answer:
6,38
